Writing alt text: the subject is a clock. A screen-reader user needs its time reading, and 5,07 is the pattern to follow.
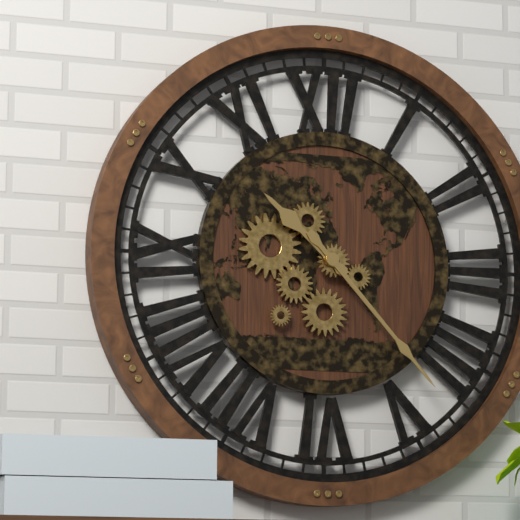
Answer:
10,23
